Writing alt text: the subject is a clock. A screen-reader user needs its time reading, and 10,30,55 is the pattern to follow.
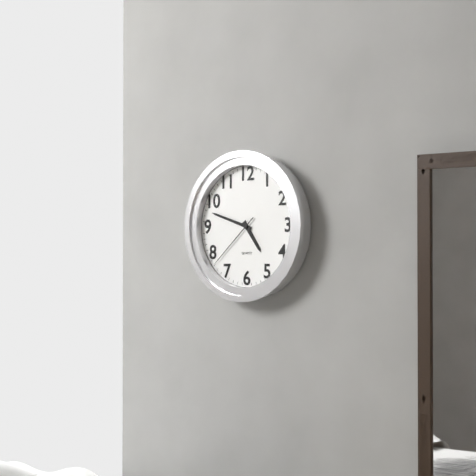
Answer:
4,48,38
